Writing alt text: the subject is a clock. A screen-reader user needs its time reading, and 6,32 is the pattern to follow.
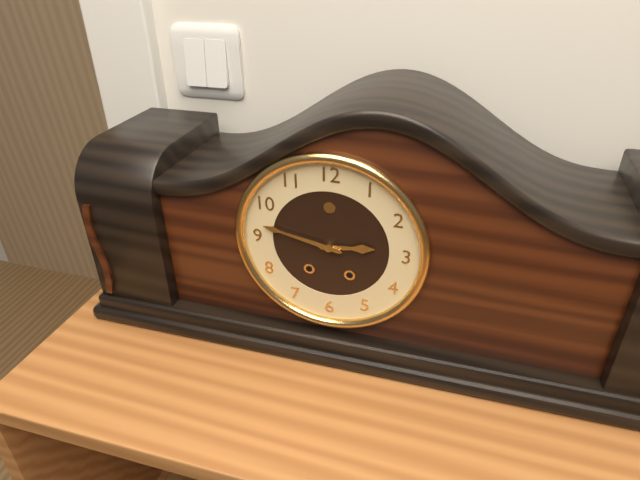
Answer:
2,47
